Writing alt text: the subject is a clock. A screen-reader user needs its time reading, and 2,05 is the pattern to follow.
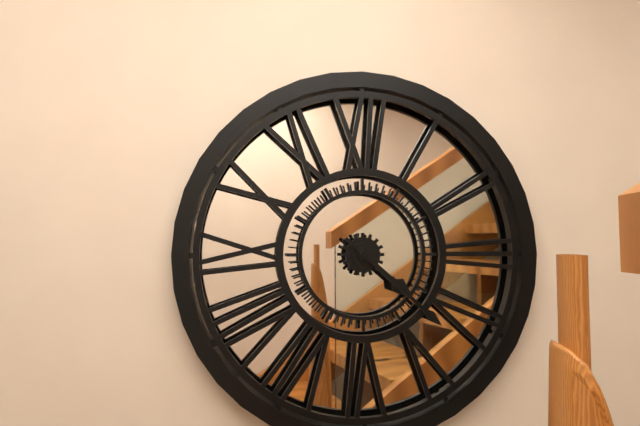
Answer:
4,22
